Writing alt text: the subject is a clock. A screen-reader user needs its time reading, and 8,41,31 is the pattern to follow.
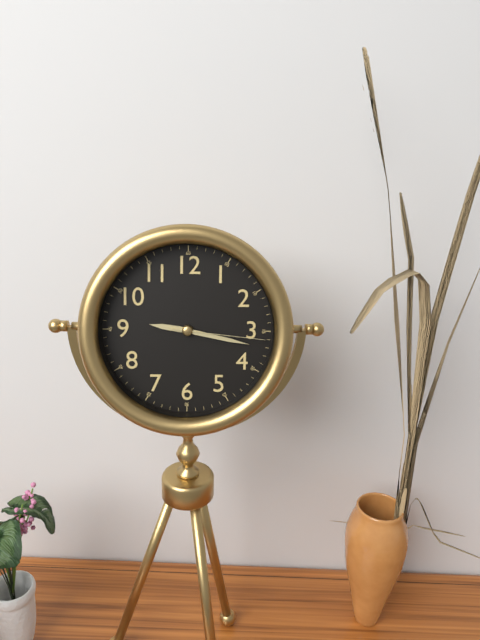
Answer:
9,17,16
